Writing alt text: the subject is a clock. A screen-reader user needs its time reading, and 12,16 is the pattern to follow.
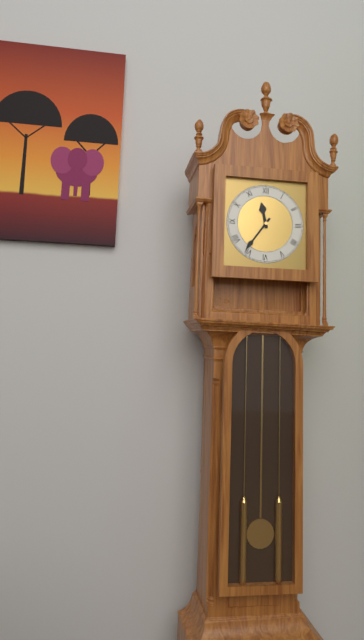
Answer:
11,36
